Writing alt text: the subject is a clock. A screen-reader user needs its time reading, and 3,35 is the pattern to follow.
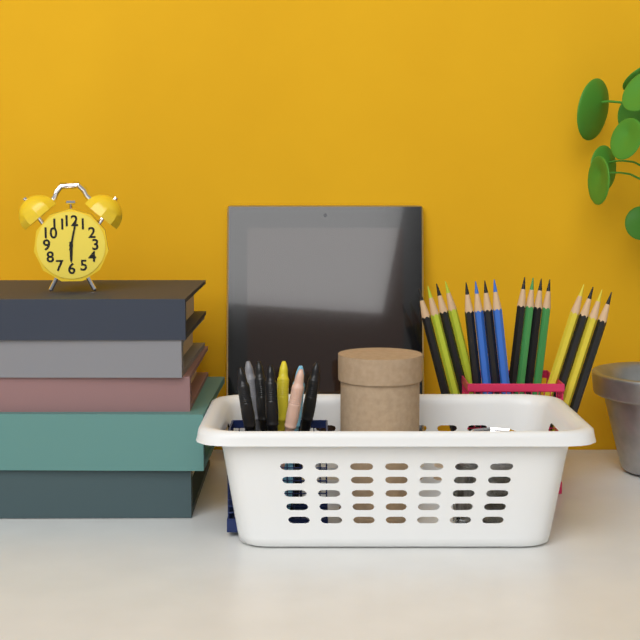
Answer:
6,02
